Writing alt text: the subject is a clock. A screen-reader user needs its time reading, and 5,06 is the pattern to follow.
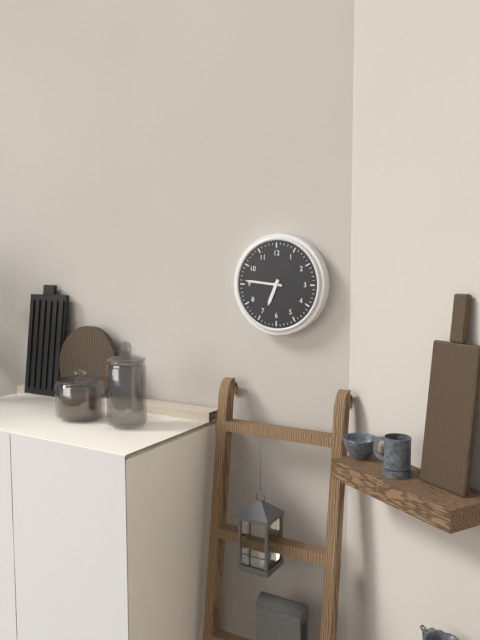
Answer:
6,46
